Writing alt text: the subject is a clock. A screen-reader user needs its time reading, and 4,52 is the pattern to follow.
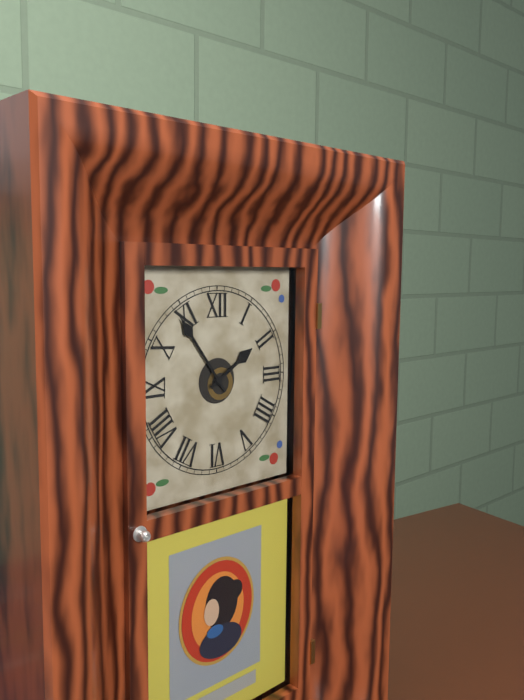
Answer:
1,54
